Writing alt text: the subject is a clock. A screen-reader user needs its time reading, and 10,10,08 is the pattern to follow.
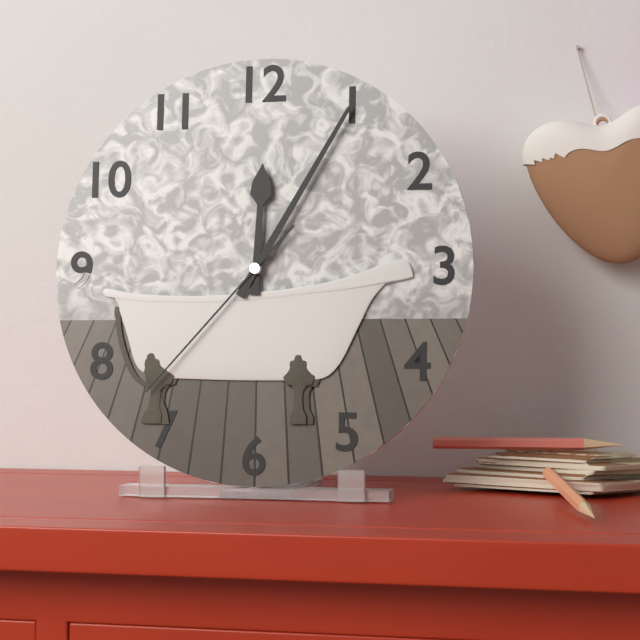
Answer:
12,05,37
